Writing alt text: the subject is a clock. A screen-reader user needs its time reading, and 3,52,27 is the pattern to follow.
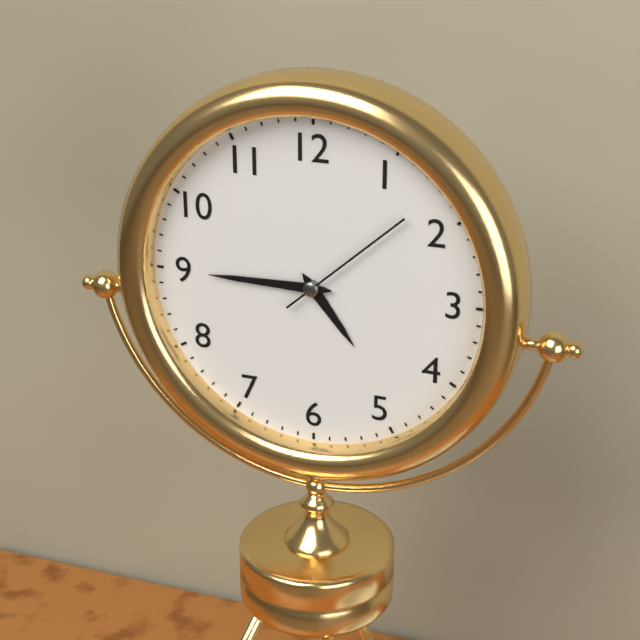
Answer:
4,45,08
